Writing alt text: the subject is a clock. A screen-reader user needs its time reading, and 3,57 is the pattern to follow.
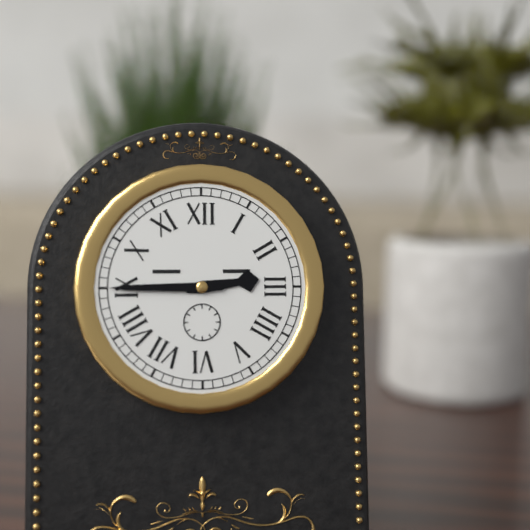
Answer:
2,45
